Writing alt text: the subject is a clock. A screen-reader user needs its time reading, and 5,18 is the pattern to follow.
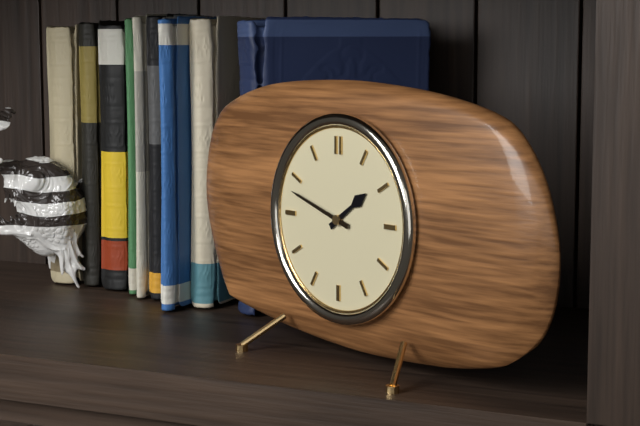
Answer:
1,48
